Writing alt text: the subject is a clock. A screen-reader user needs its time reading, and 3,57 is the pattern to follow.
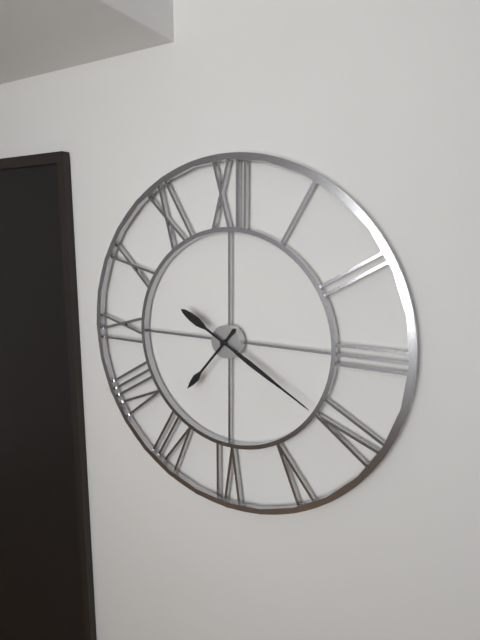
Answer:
7,20
